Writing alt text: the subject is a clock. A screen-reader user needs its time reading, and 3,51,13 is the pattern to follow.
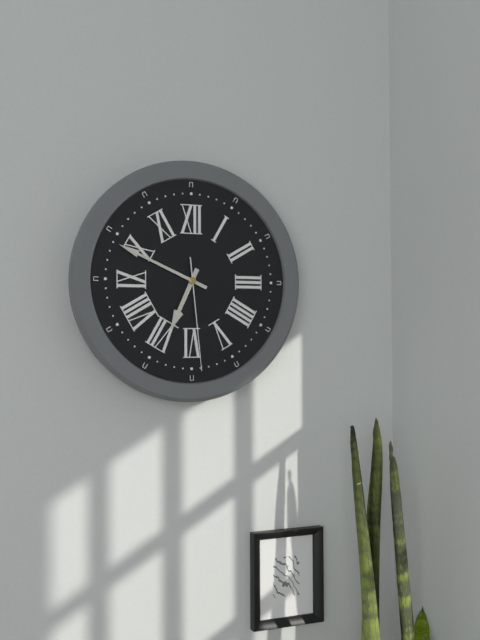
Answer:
6,49,29
